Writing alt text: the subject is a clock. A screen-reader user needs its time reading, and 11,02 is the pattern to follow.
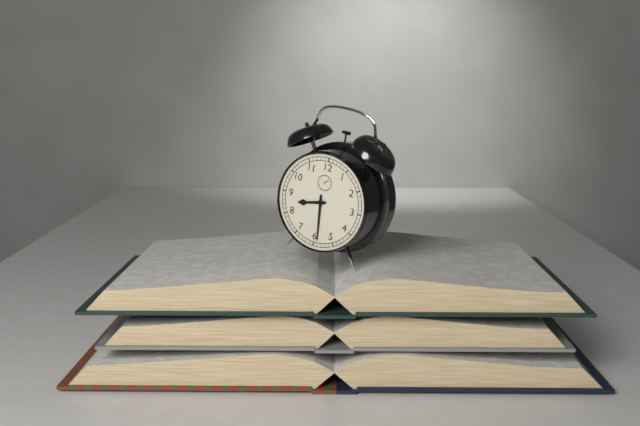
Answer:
8,29
